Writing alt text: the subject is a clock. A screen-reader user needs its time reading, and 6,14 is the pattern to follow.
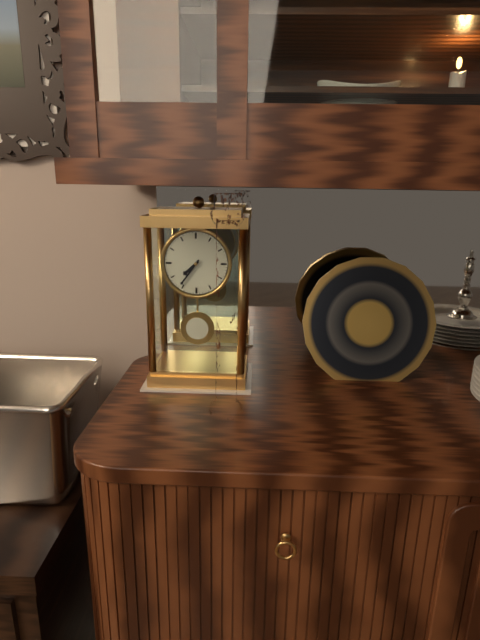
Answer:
7,36
